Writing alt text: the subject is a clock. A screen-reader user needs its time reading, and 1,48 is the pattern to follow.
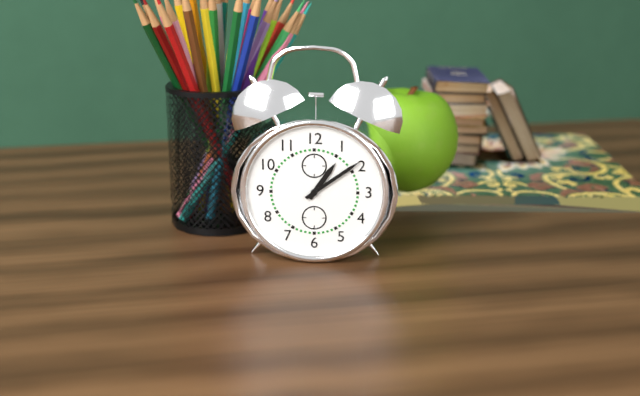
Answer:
1,09
